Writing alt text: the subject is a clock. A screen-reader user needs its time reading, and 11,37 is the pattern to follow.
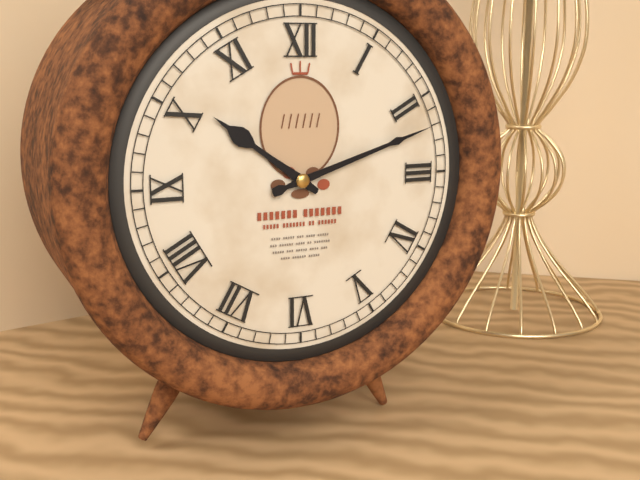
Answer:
10,12
